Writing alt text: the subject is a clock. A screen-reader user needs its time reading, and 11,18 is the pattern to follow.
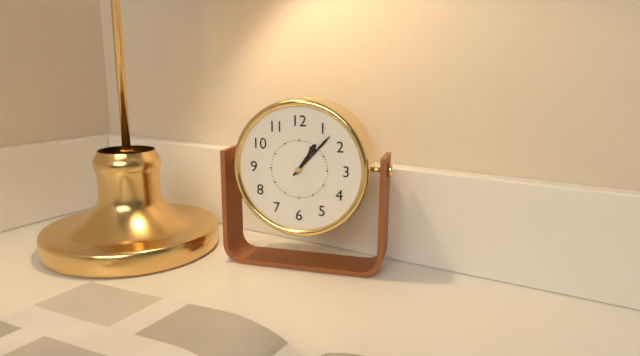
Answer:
1,07
